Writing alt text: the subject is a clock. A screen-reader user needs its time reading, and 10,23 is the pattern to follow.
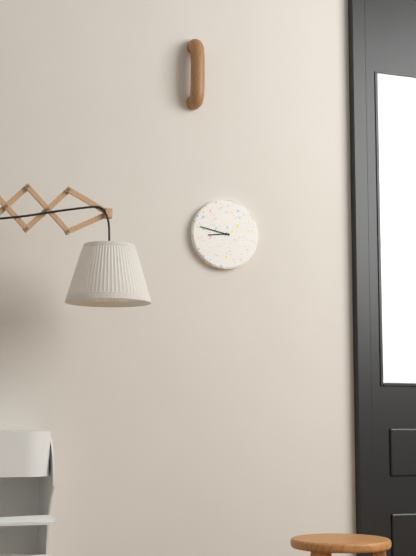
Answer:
8,47
